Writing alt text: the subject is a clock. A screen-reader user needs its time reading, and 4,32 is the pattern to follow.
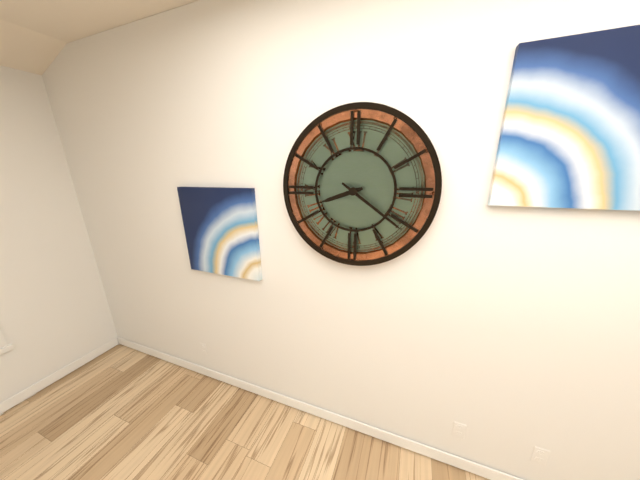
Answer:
8,21
